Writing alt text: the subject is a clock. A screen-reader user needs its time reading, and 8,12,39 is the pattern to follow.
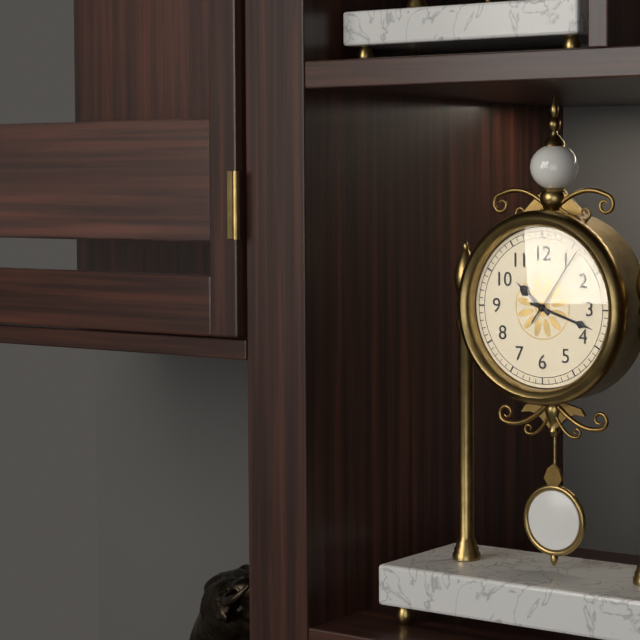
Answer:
10,18,06
